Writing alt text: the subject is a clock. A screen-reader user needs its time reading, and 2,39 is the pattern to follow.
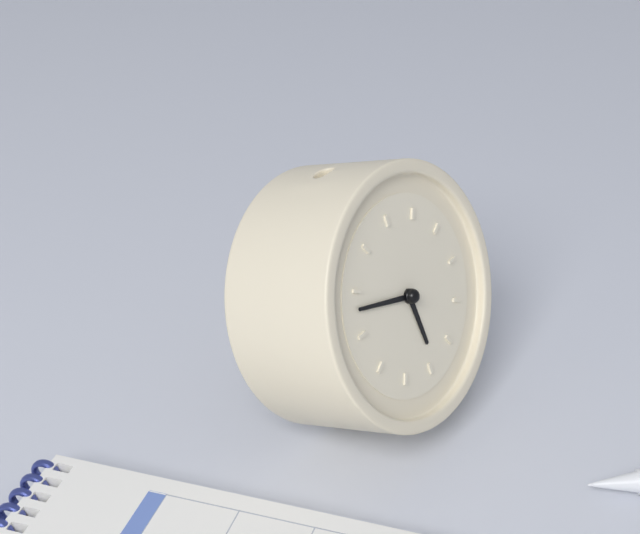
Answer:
5,48
